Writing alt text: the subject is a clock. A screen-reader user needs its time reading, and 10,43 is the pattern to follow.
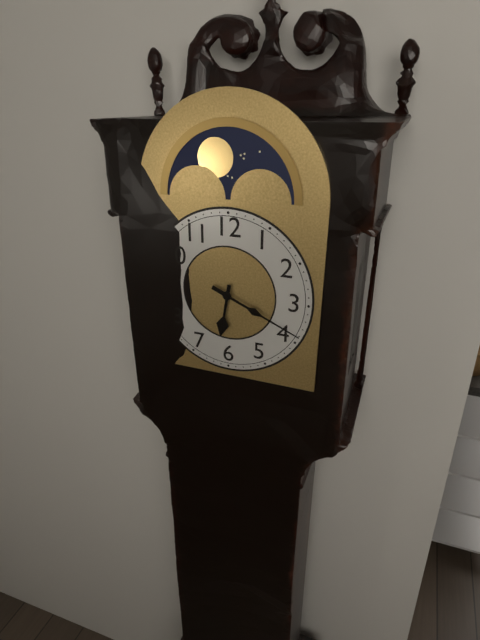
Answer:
6,19
